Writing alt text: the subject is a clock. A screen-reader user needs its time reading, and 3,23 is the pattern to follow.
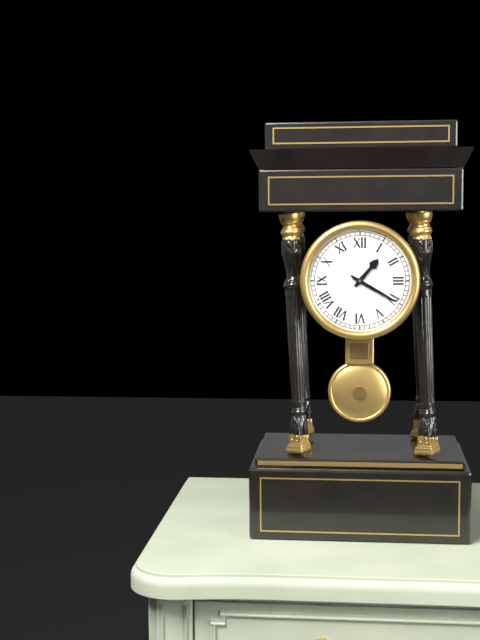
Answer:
1,20
